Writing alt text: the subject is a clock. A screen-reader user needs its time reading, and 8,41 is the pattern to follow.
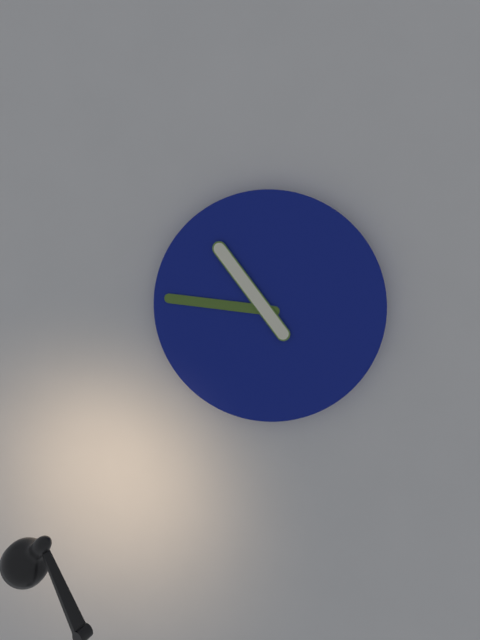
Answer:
10,46
